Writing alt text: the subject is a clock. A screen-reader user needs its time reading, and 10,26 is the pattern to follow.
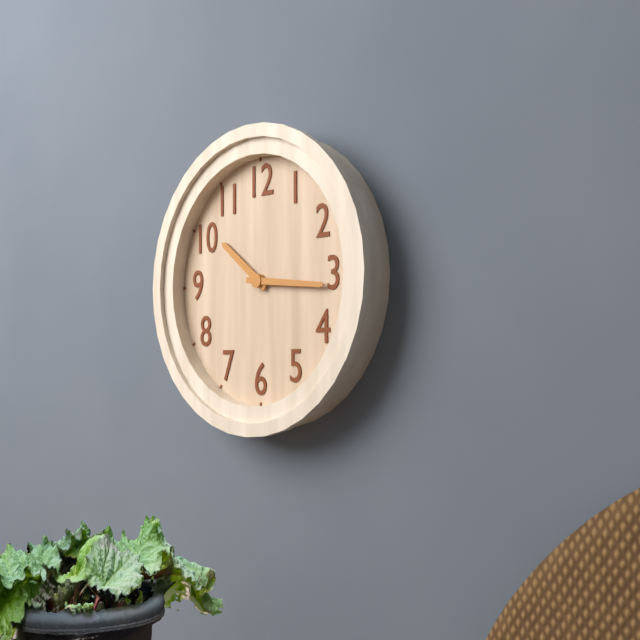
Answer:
10,16
